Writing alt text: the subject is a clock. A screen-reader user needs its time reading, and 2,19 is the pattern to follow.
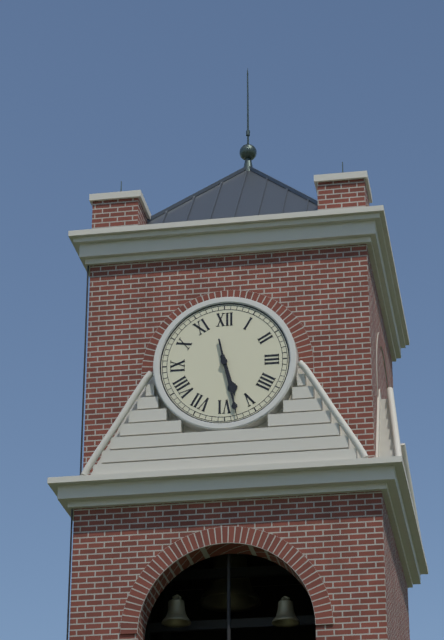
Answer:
5,28
